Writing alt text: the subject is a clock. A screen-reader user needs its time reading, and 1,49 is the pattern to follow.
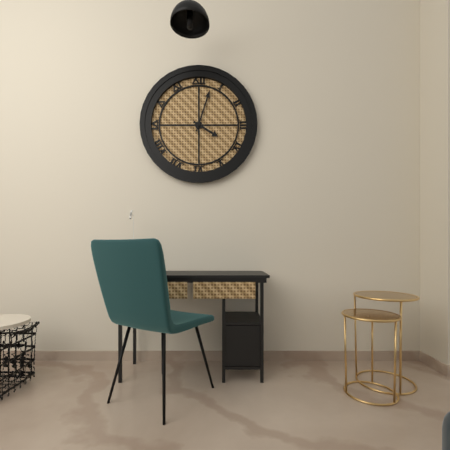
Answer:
4,03
